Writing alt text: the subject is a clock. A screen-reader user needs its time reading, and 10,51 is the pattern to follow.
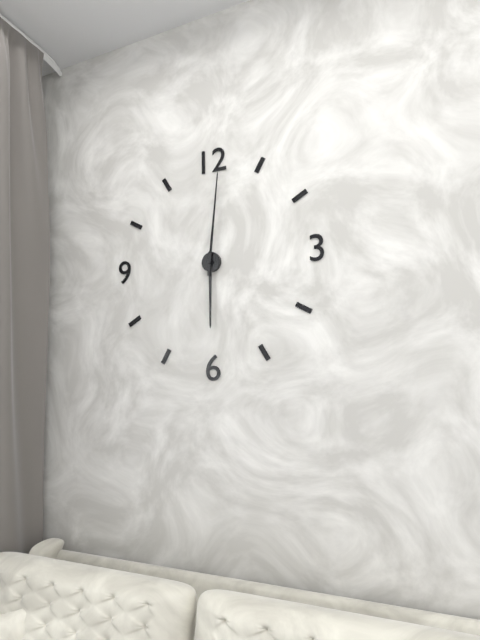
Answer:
6,01
